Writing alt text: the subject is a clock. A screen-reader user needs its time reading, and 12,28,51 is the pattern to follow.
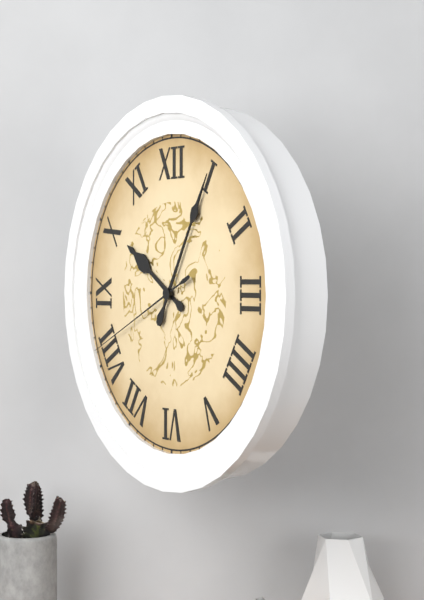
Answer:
10,05,41
